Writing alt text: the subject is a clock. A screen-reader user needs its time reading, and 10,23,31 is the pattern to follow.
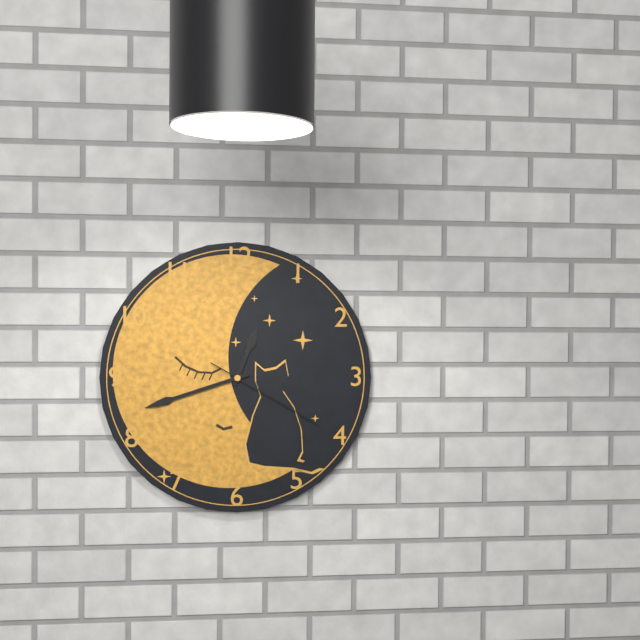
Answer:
12,42,20
